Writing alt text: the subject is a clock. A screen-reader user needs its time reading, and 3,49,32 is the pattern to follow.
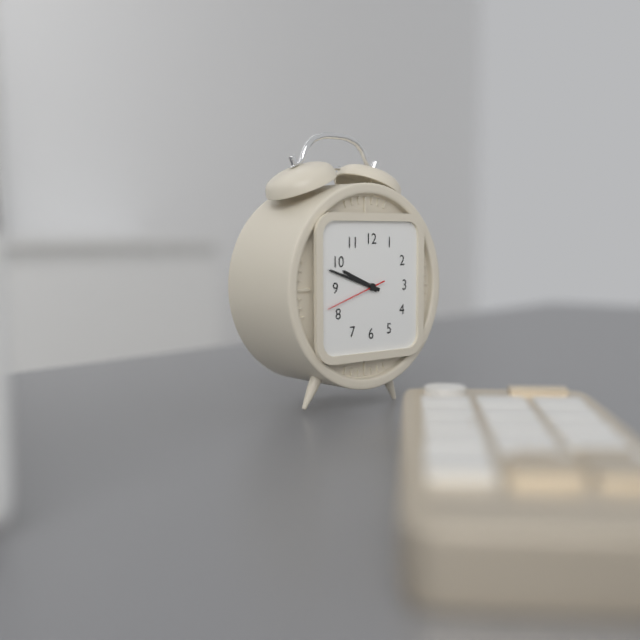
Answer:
9,48,42
